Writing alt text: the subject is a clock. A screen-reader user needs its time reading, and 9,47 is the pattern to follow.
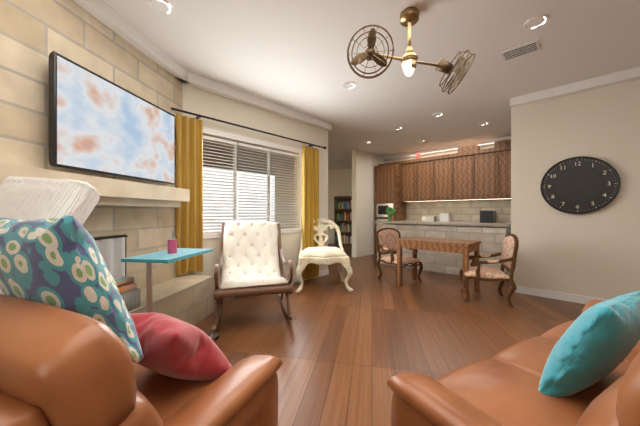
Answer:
2,21
